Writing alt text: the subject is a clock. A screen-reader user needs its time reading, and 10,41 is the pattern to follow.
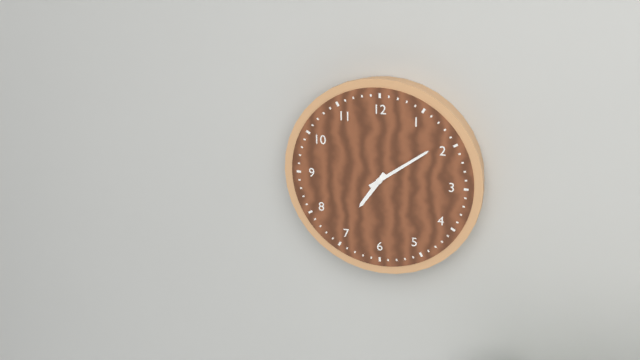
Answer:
7,09
